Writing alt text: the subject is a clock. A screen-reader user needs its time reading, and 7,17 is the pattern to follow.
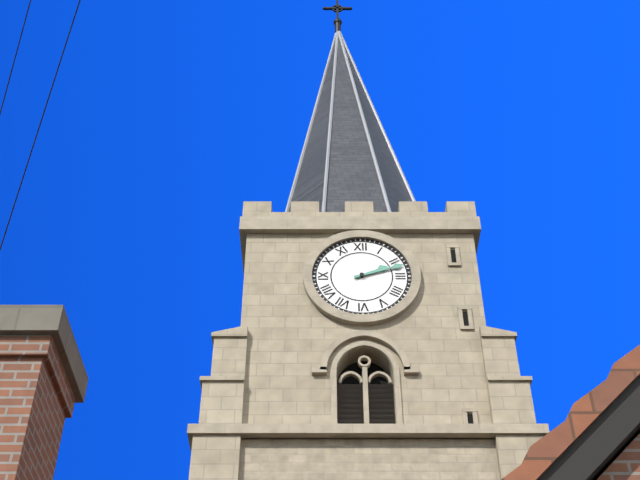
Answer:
2,12
